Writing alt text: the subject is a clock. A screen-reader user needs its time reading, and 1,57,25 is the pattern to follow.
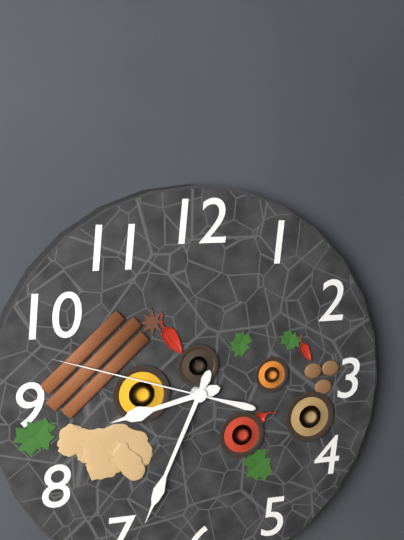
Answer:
8,34,48
